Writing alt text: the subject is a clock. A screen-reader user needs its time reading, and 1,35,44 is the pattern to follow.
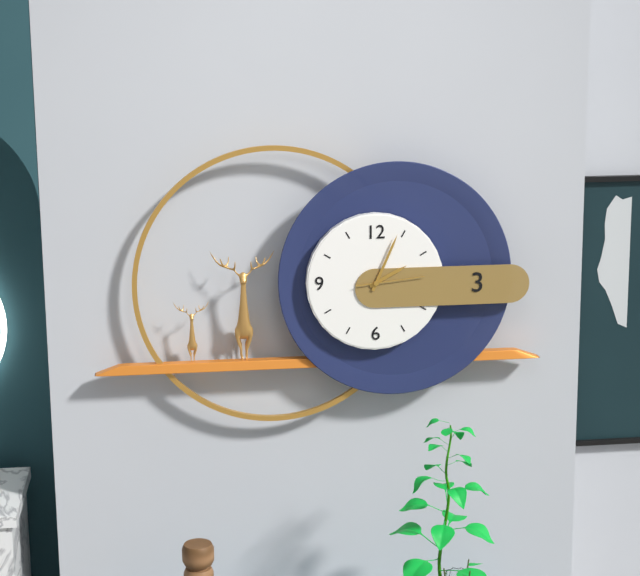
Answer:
2,04,14
